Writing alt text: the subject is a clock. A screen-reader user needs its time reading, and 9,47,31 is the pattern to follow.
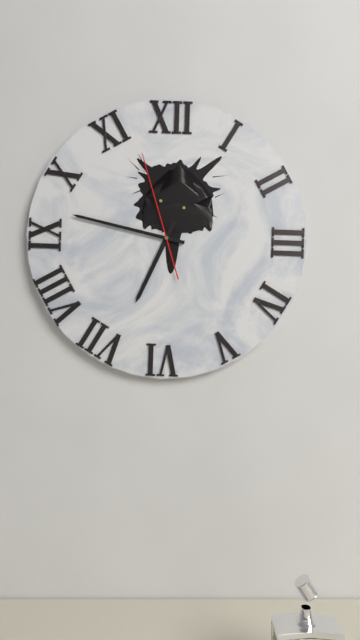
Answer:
6,47,57
